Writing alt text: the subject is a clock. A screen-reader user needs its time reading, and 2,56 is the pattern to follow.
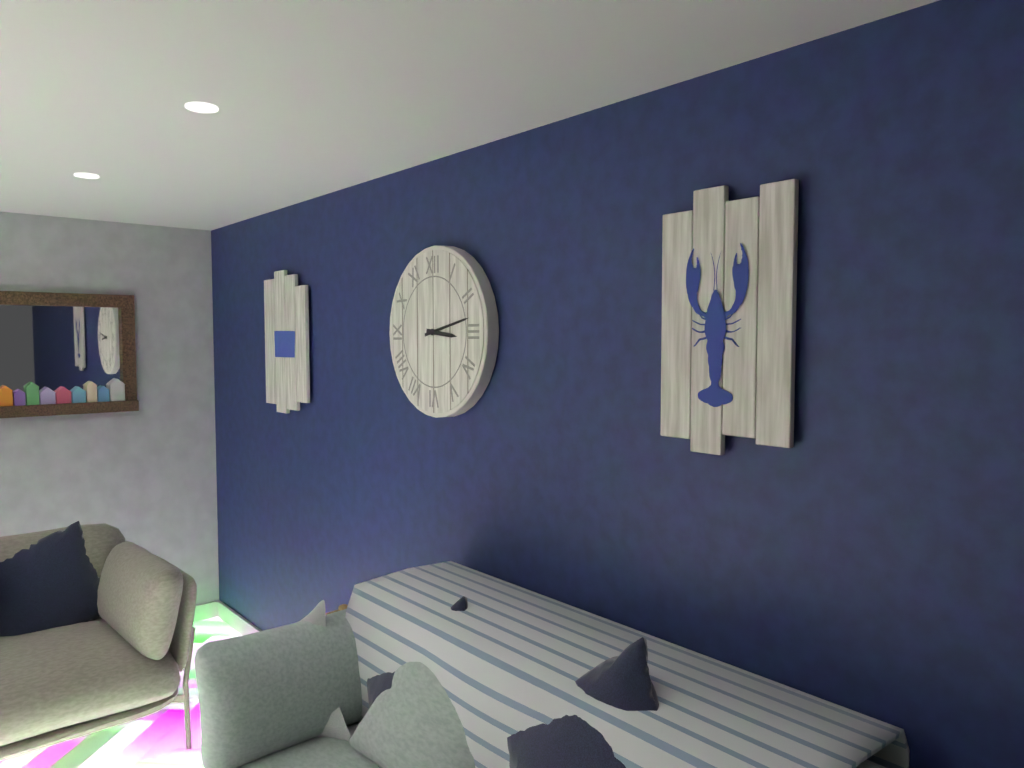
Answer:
3,13
